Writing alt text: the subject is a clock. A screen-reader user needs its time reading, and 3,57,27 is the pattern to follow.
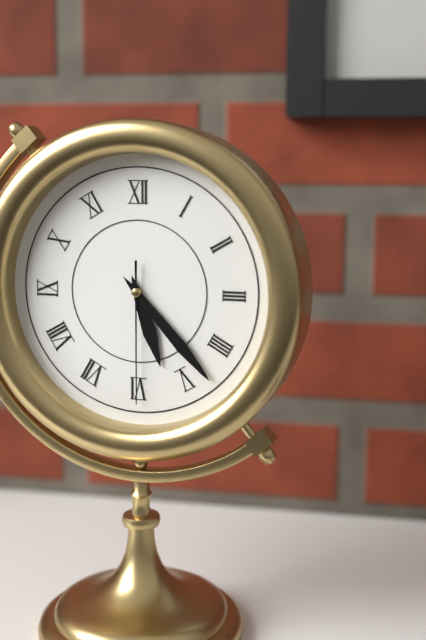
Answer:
5,23,30
